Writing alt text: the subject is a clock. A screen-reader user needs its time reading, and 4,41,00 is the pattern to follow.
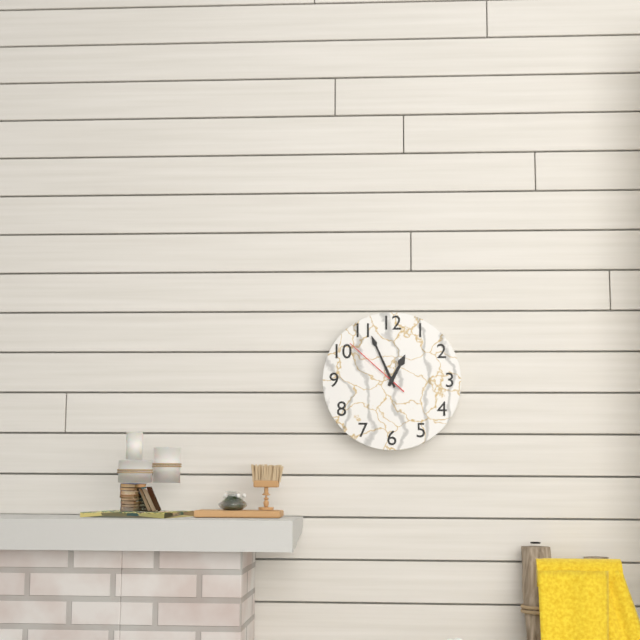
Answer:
12,56,52
